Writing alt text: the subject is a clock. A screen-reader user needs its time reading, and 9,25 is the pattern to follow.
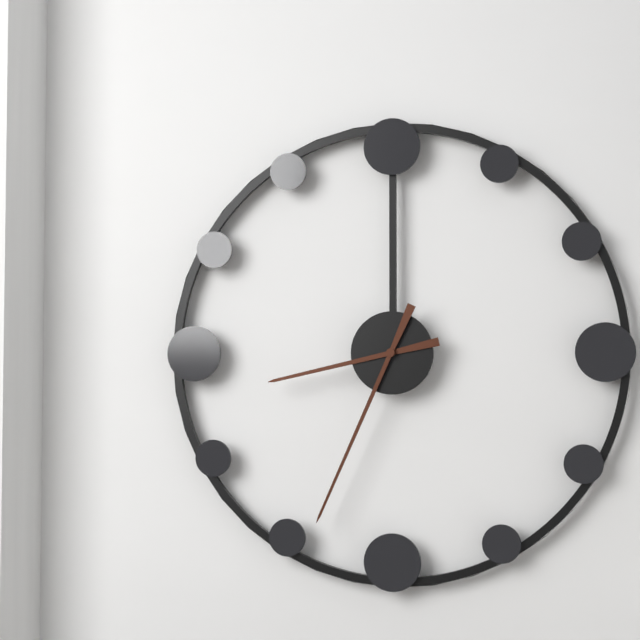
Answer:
8,34
